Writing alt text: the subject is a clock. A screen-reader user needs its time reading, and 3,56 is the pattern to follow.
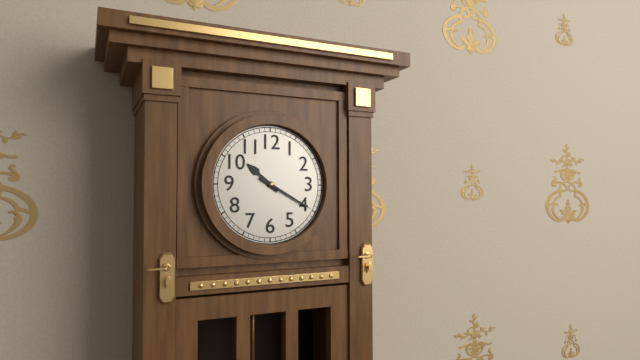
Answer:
10,20
